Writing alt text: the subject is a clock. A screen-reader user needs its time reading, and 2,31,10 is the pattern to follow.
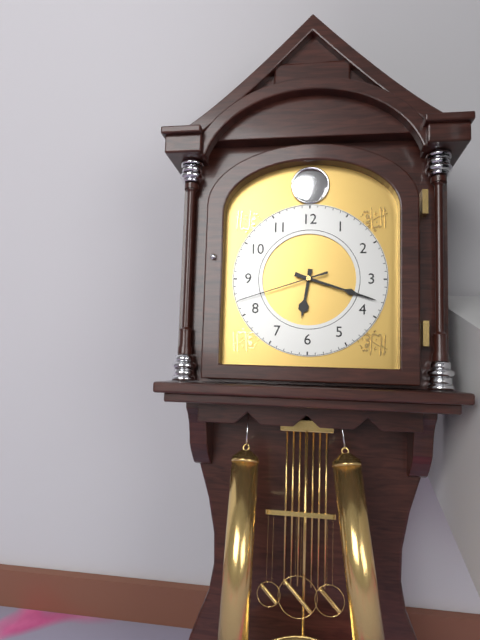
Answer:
6,18,42
